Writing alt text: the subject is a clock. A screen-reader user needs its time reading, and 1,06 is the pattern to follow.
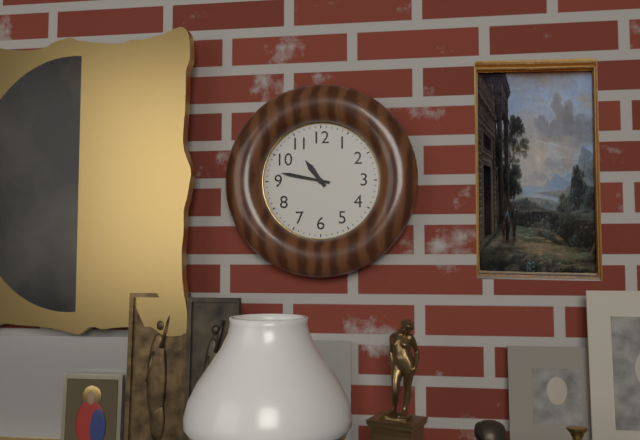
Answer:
10,47
